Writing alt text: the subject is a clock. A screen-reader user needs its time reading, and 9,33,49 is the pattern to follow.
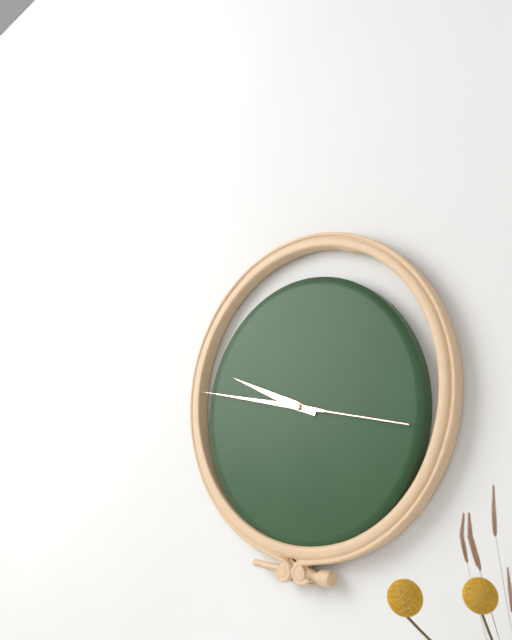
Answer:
9,47,17
